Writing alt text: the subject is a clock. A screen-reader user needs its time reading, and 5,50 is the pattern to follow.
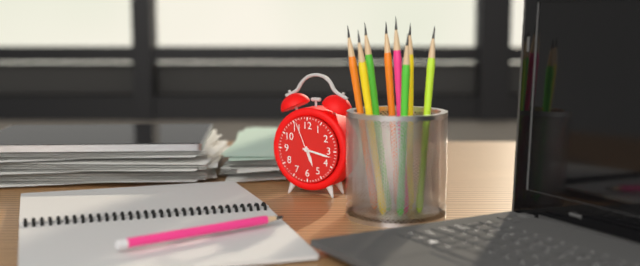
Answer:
5,17
